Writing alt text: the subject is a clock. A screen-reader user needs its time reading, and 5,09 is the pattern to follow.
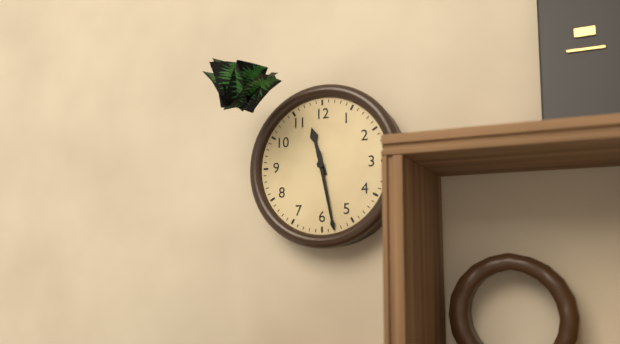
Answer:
11,28
